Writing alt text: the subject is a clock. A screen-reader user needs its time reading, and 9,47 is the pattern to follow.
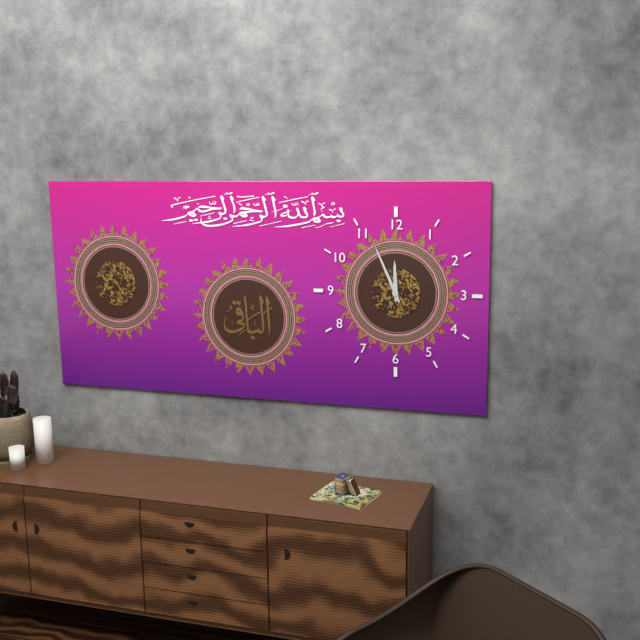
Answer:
11,56
